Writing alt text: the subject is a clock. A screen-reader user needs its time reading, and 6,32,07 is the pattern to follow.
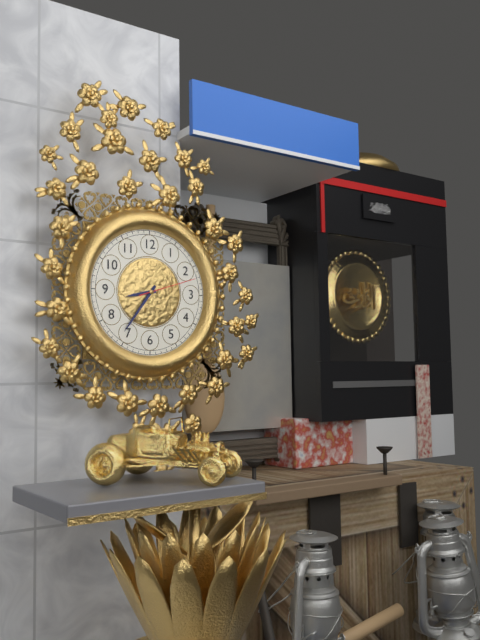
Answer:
8,36,12
